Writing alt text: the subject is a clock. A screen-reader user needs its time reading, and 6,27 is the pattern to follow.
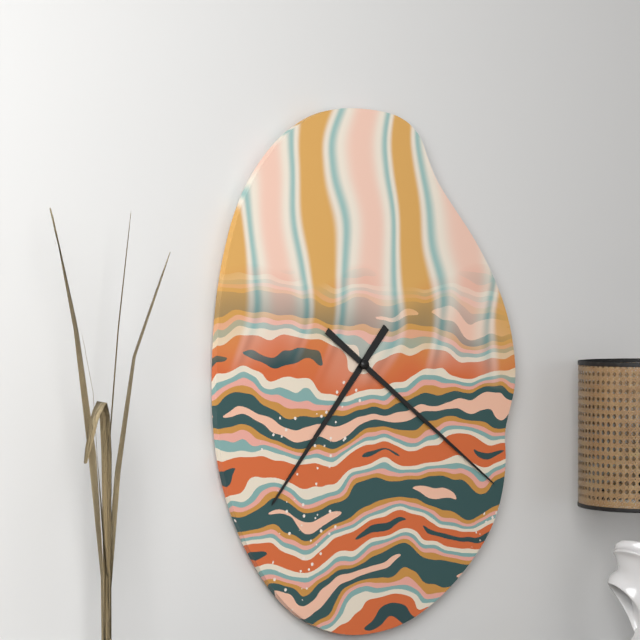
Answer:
7,21
